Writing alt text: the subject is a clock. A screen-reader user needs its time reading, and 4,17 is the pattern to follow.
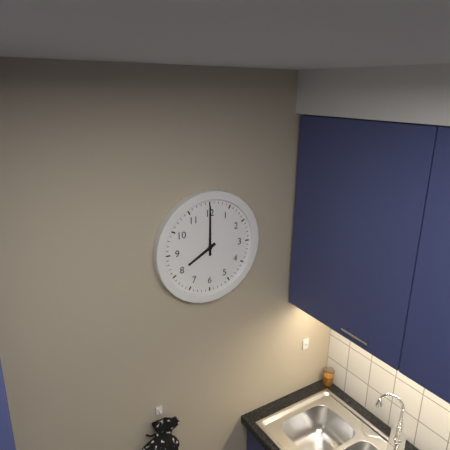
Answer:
8,00
